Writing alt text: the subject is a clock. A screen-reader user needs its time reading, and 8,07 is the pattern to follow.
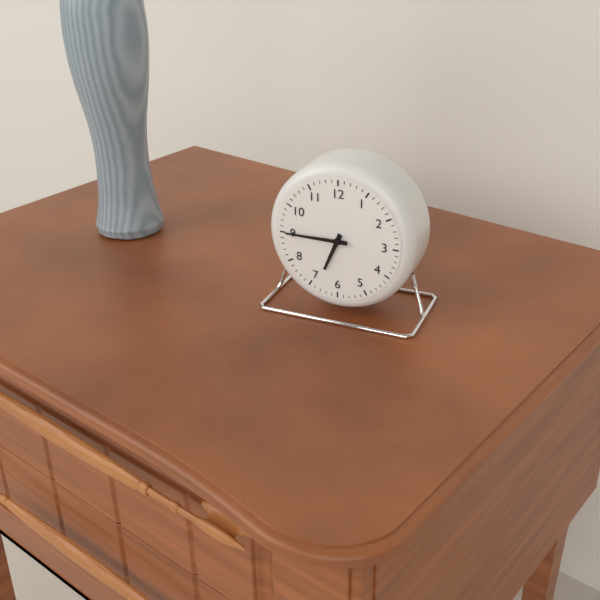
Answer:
6,45
